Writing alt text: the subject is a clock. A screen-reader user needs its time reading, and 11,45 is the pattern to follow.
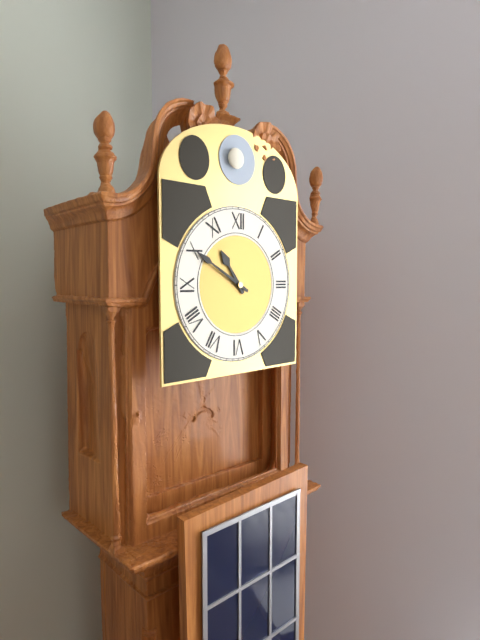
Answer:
10,50
